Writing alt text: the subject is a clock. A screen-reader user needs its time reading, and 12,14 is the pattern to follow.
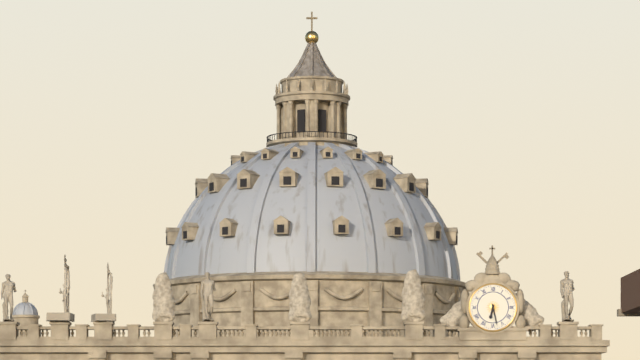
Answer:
6,28
